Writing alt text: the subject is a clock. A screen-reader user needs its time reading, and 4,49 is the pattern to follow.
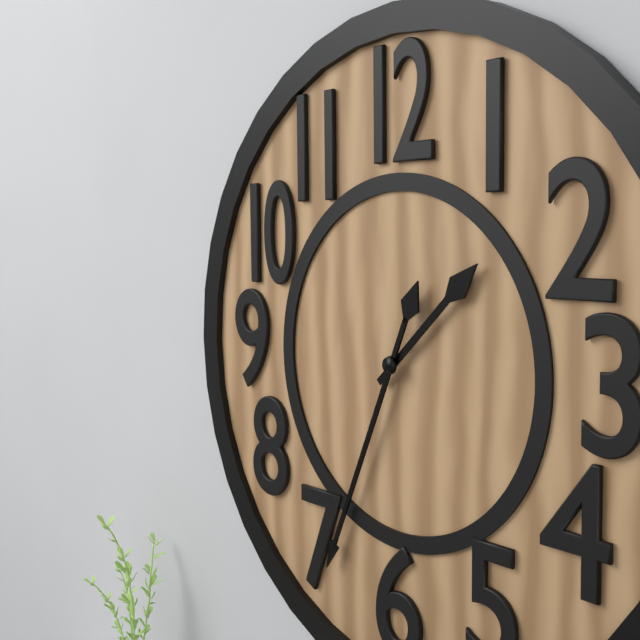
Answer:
1,34
